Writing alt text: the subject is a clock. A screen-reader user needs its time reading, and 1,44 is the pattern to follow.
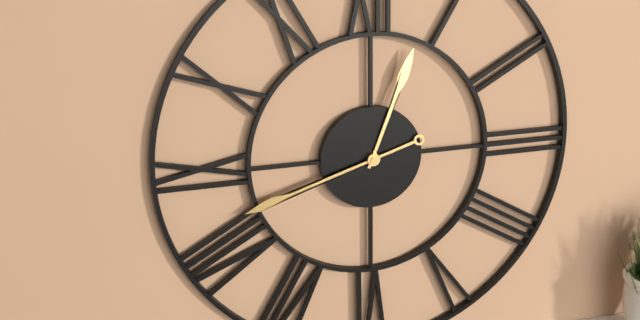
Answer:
12,42
